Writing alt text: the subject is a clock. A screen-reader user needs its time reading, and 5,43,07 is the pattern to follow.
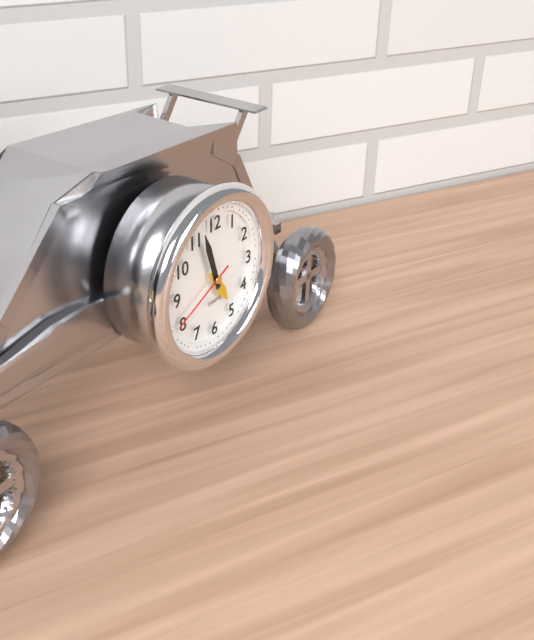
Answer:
4,57,41
